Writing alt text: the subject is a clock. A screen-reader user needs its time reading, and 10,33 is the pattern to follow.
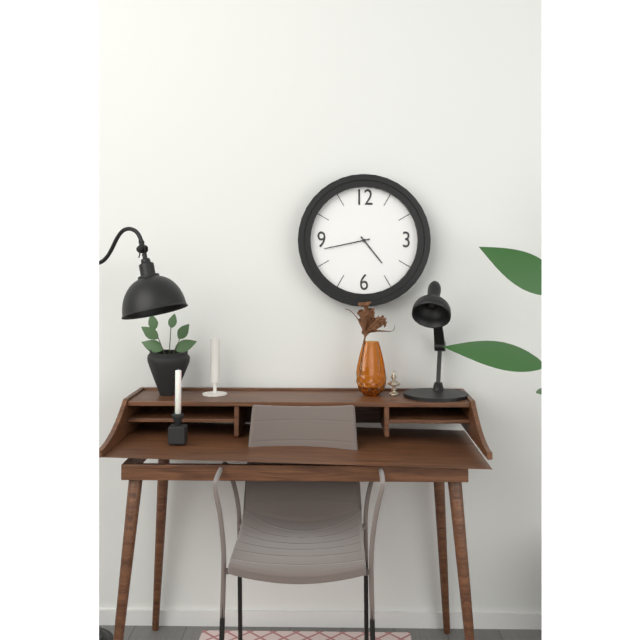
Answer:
4,43
